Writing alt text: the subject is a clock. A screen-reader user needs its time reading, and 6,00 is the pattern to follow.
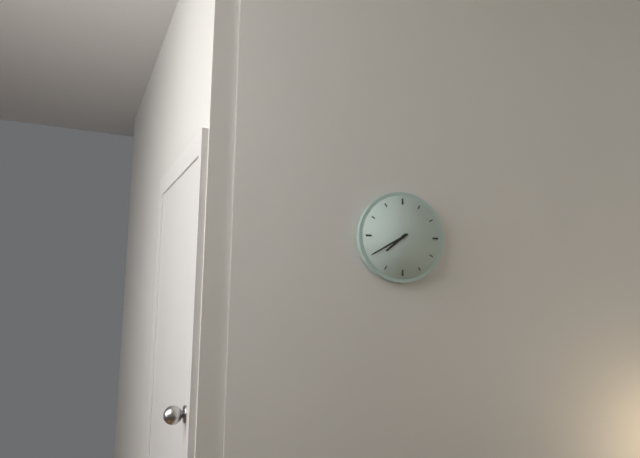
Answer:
7,40
